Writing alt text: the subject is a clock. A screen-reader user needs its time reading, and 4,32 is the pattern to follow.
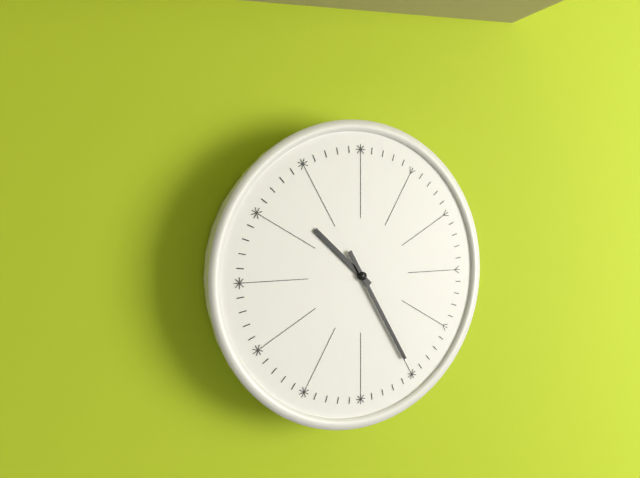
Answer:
10,25
